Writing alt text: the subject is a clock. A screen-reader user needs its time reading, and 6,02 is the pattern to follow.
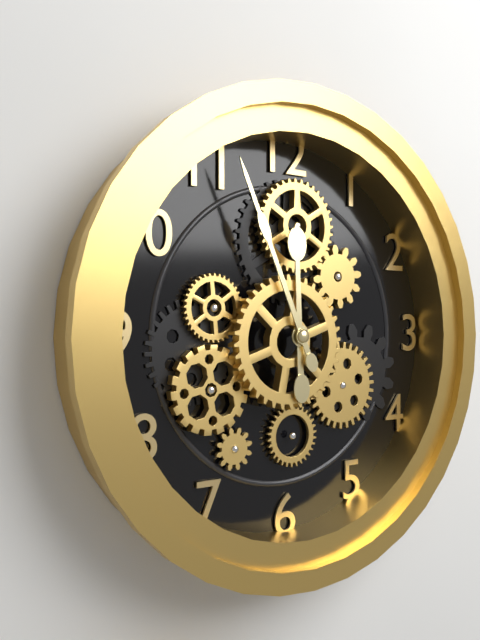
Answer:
11,56
